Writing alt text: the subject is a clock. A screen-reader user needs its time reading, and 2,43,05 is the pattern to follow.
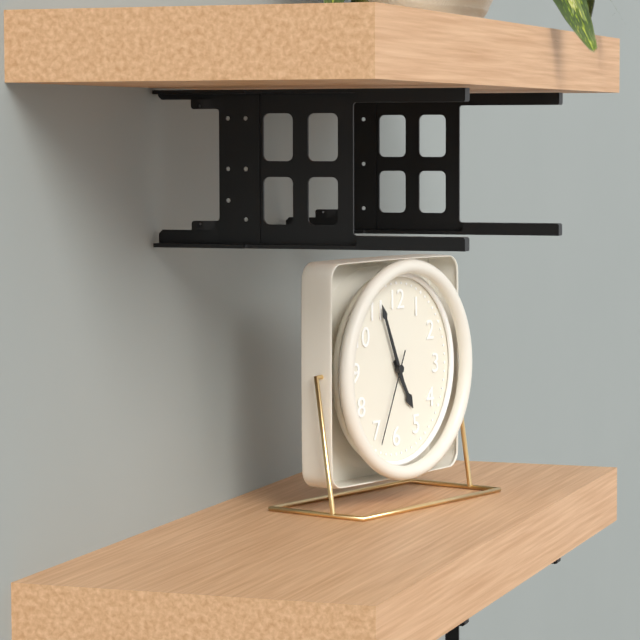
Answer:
4,56,34
